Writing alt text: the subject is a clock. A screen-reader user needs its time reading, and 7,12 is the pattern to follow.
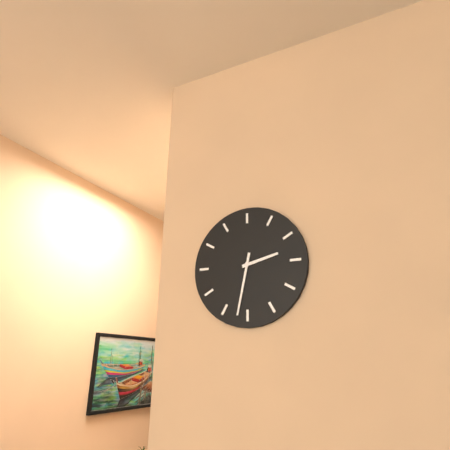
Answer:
2,32
